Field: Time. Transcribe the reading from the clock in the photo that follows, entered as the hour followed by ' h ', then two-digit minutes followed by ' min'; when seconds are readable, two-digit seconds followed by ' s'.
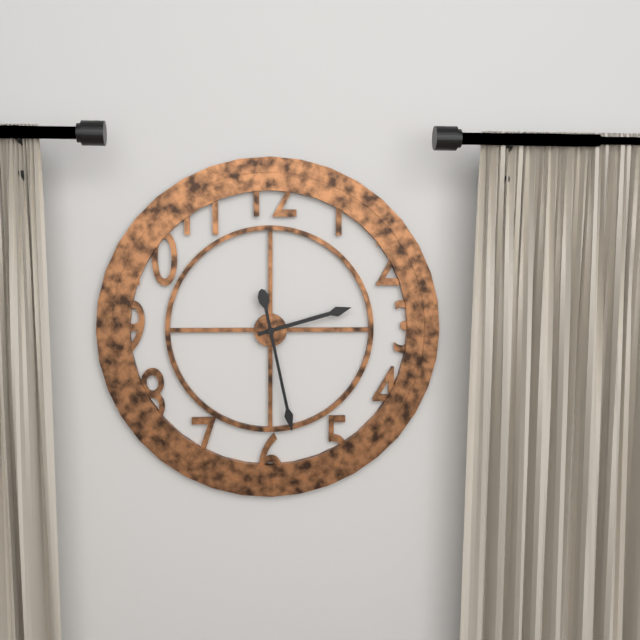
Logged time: 2 h 28 min
